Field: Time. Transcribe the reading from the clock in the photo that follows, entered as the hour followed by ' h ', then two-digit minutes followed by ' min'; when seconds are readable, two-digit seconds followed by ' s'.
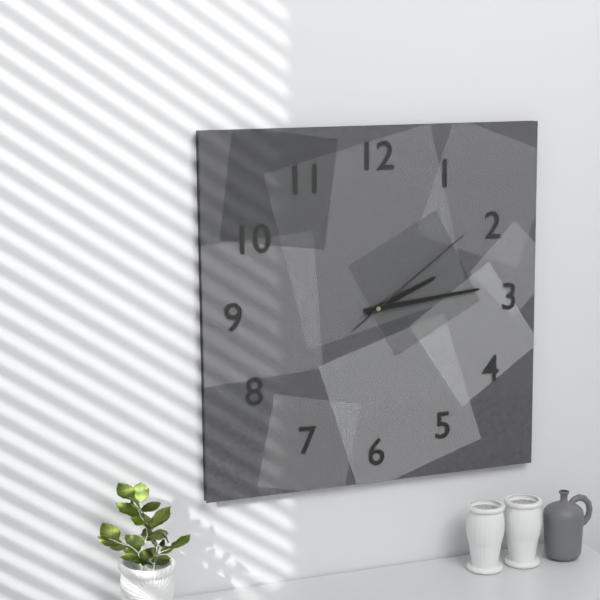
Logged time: 2 h 14 min 09 s
